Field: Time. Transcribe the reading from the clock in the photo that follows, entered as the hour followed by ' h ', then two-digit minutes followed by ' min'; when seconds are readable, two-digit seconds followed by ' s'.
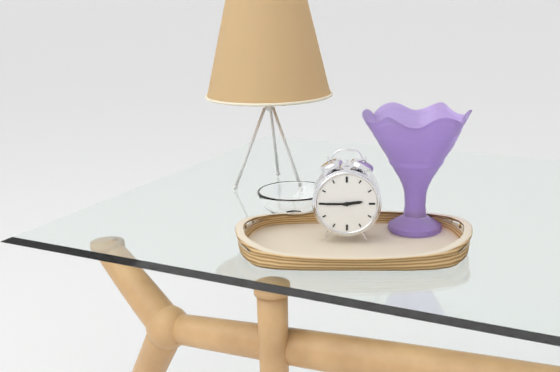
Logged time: 2 h 45 min
